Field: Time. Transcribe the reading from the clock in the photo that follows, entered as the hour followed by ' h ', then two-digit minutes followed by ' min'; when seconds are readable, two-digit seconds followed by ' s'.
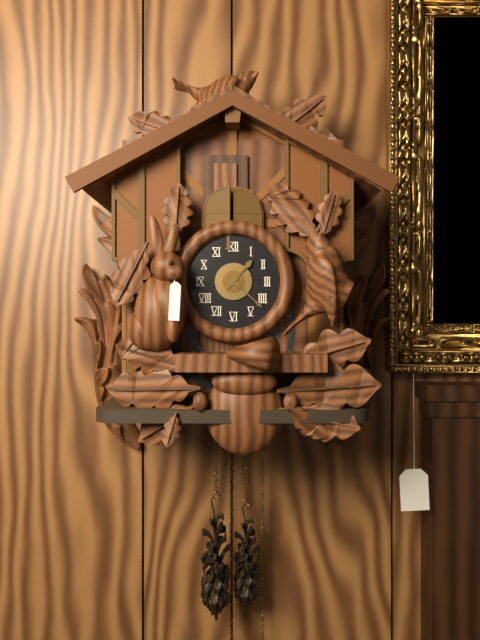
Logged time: 1 h 22 min
